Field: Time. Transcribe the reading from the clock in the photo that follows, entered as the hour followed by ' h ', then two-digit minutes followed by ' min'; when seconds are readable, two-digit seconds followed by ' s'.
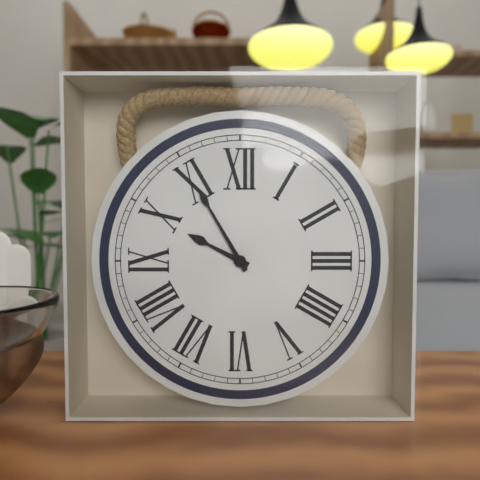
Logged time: 9 h 55 min
